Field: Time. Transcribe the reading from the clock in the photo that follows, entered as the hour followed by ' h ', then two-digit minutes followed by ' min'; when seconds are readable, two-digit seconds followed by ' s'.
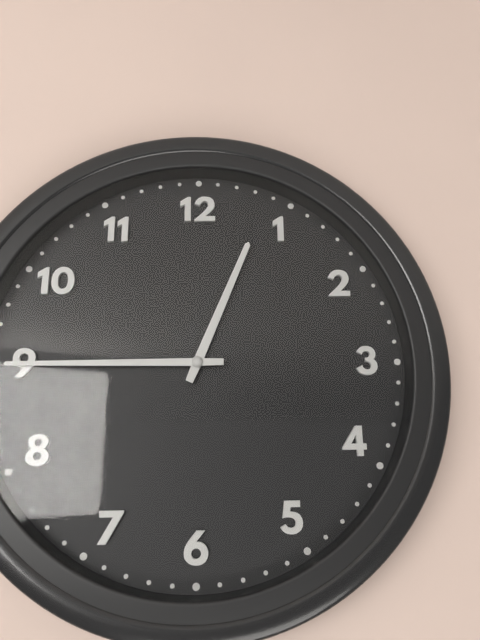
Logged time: 12 h 45 min
